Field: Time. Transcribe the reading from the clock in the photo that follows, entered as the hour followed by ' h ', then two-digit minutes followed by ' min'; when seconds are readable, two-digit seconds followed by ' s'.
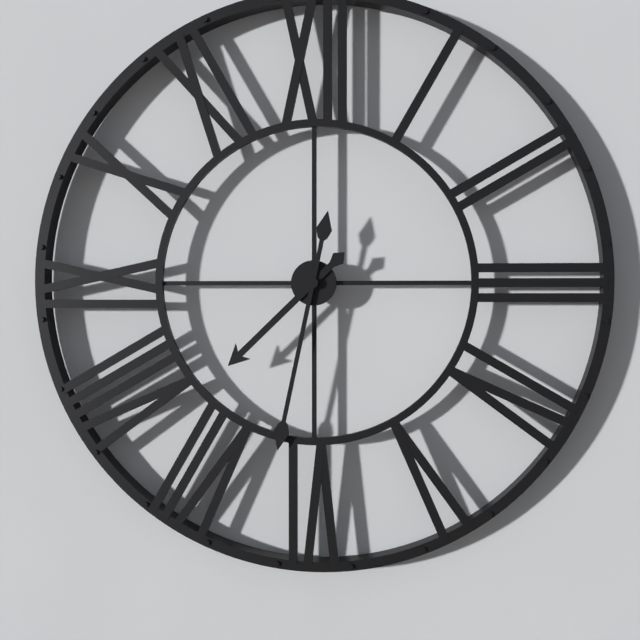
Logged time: 7 h 32 min
